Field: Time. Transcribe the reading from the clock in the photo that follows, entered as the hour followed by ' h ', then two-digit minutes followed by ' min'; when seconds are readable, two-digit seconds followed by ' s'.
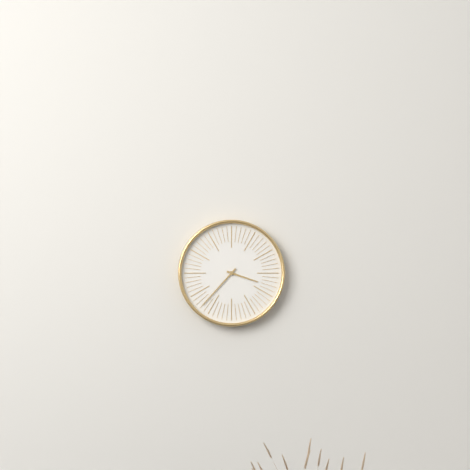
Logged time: 3 h 37 min
